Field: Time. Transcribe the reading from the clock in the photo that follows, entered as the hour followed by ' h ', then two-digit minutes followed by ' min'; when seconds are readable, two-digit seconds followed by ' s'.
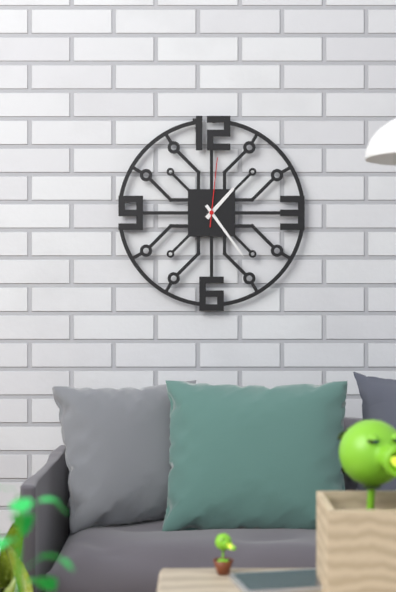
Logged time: 1 h 24 min 01 s
